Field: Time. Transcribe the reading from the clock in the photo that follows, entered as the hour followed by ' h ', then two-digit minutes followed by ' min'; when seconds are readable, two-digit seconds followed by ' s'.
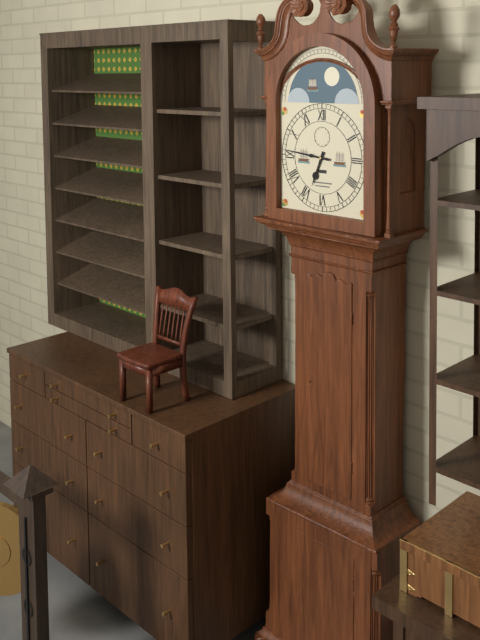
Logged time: 6 h 46 min
